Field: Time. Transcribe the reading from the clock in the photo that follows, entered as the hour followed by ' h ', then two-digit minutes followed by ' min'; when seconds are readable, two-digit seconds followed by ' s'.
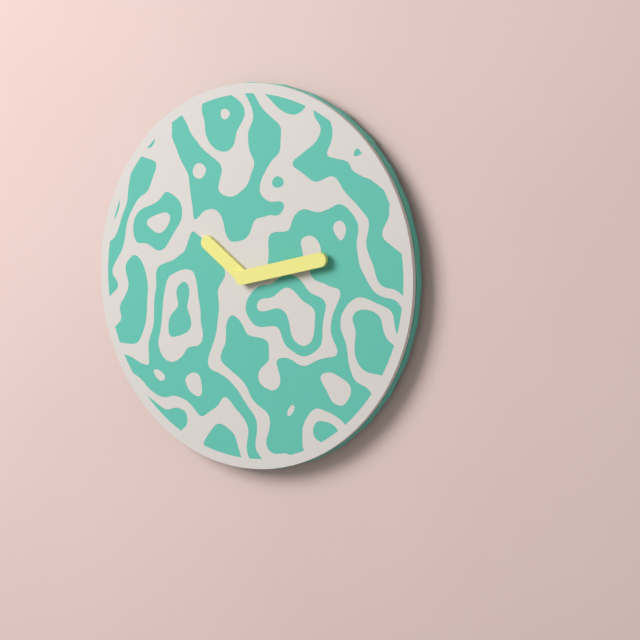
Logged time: 10 h 13 min
